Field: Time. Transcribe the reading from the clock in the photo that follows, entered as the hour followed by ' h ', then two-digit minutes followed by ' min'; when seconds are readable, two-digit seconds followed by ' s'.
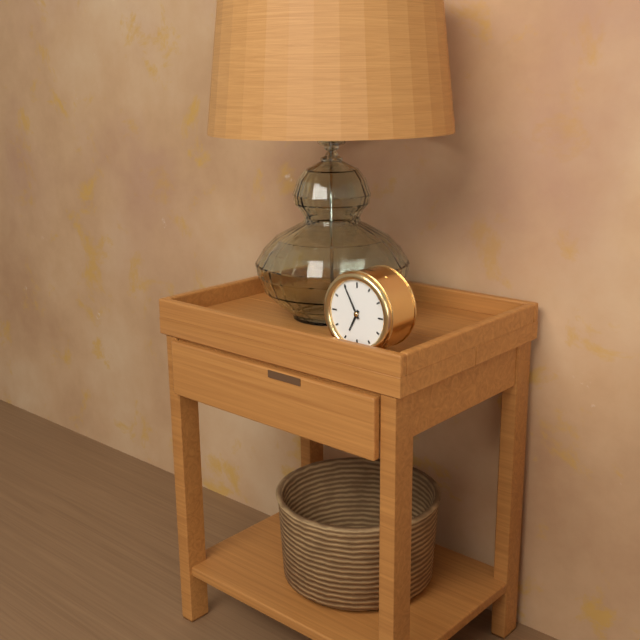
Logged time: 6 h 55 min
